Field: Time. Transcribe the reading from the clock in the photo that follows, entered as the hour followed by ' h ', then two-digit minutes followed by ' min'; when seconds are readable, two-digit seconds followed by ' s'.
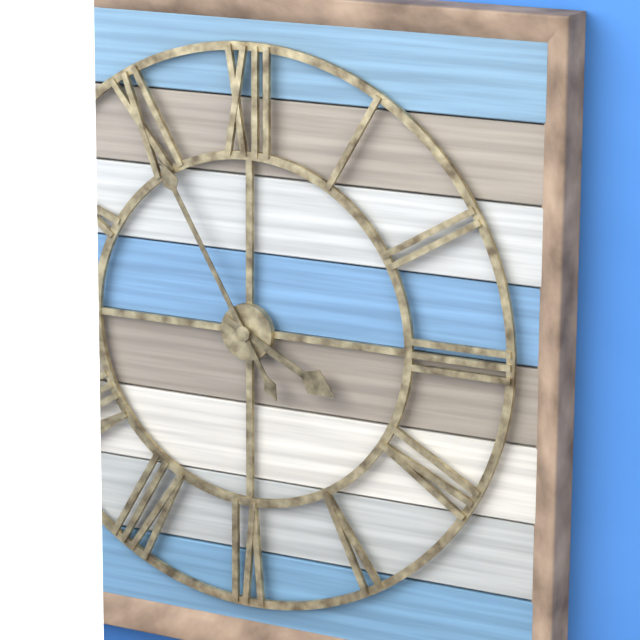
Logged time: 3 h 55 min
